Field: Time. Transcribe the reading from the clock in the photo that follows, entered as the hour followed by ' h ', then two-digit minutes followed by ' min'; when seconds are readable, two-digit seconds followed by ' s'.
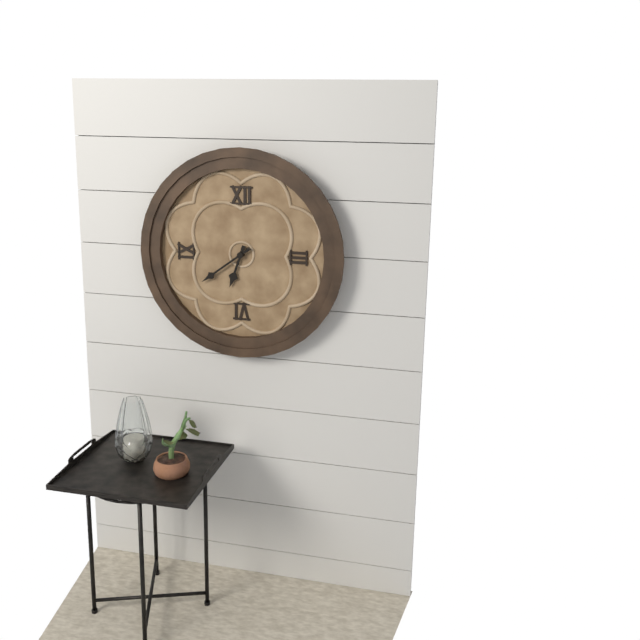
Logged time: 6 h 39 min
